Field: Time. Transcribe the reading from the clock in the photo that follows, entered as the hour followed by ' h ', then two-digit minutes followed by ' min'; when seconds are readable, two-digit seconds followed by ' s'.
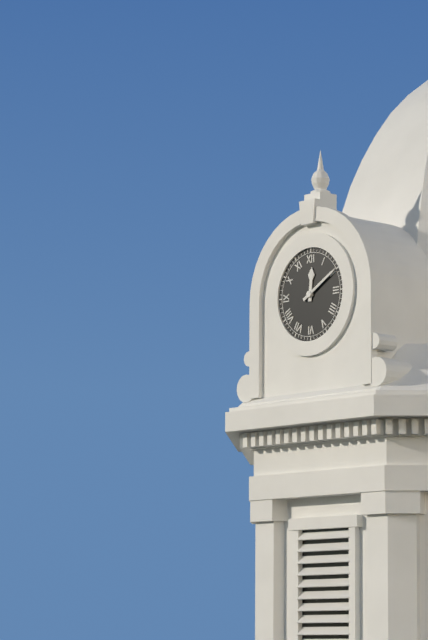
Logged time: 12 h 10 min
